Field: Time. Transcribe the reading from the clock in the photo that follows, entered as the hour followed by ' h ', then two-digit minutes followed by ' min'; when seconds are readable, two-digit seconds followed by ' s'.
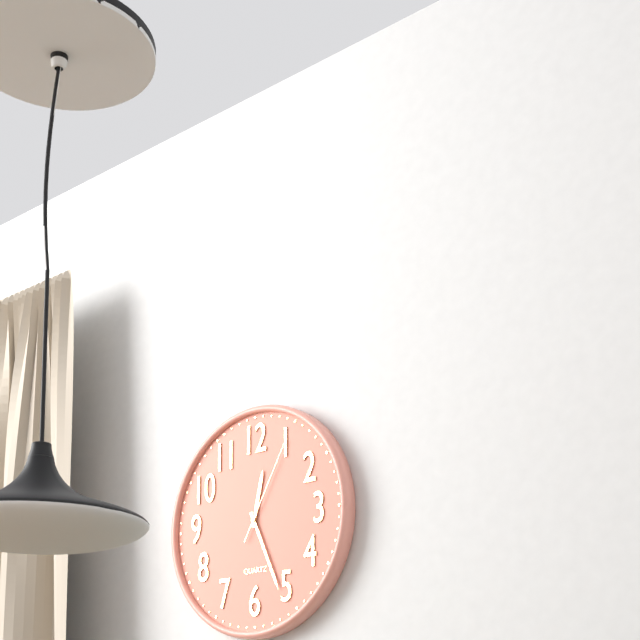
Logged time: 12 h 26 min 05 s
